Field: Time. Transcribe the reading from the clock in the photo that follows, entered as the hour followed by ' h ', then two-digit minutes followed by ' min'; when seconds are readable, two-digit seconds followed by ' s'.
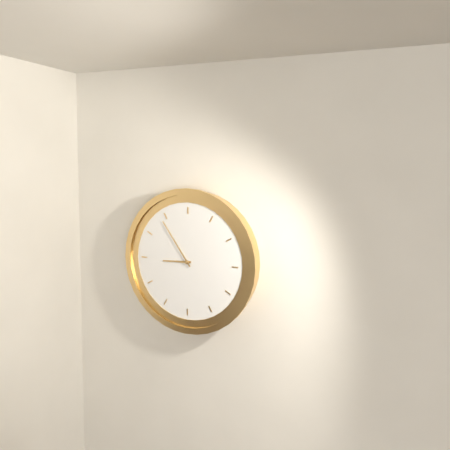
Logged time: 8 h 54 min
